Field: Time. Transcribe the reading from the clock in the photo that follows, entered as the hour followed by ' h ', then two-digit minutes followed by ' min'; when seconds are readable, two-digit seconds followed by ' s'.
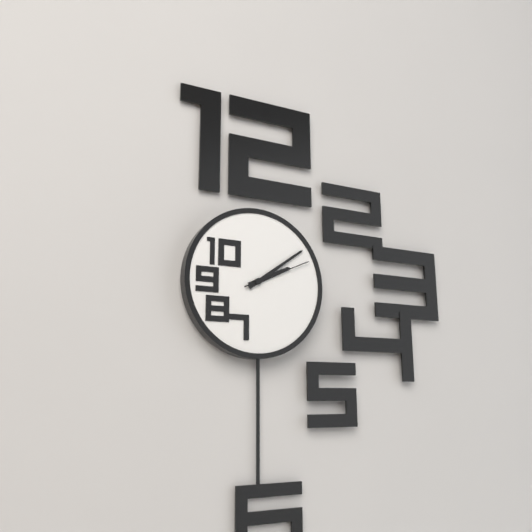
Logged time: 2 h 09 min 11 s
